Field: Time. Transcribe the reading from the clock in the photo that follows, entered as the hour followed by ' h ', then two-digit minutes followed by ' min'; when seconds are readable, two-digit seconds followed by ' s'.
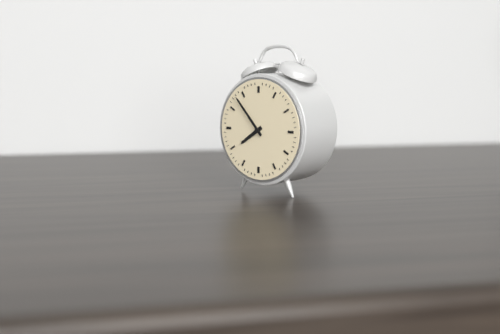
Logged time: 7 h 53 min
